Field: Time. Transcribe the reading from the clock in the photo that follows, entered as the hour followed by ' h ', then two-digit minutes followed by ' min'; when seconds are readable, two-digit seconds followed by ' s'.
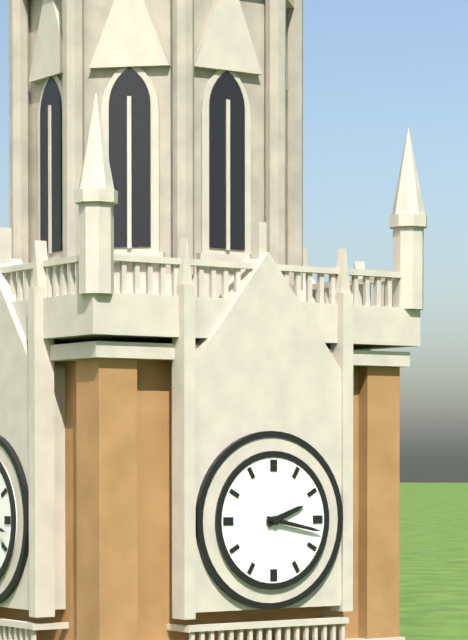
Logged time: 2 h 17 min
